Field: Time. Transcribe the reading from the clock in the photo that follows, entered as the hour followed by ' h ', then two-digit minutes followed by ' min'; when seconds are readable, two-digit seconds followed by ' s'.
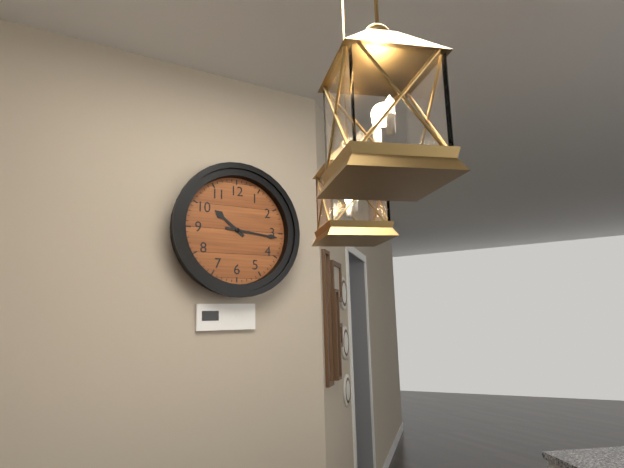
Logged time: 10 h 16 min
